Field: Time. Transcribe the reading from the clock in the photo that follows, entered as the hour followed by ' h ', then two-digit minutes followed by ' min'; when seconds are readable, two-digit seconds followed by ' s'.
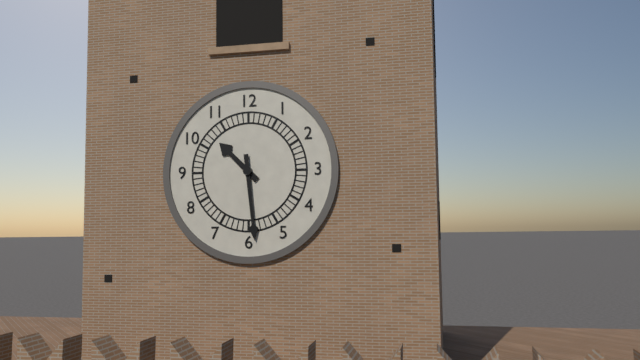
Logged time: 10 h 29 min
